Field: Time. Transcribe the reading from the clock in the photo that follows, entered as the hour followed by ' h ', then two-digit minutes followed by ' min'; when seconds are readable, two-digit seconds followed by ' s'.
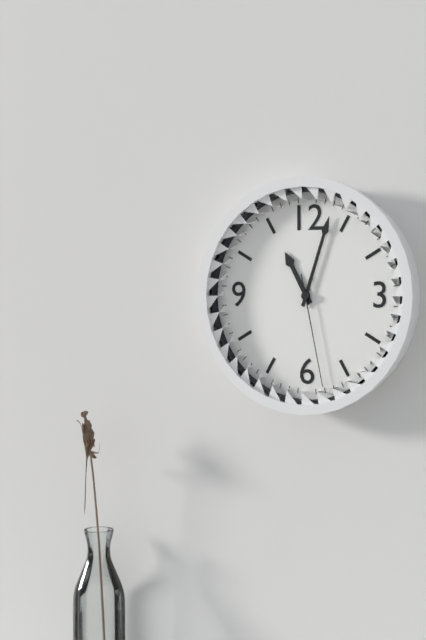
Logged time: 11 h 03 min 28 s
